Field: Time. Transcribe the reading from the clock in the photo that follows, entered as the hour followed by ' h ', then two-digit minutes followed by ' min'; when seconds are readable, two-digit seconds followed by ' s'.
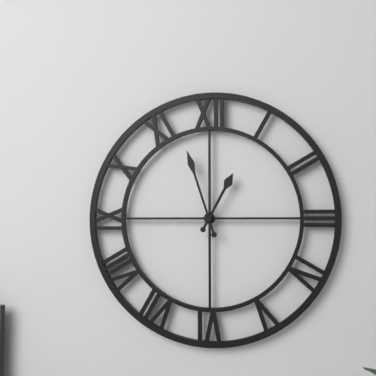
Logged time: 12 h 57 min
